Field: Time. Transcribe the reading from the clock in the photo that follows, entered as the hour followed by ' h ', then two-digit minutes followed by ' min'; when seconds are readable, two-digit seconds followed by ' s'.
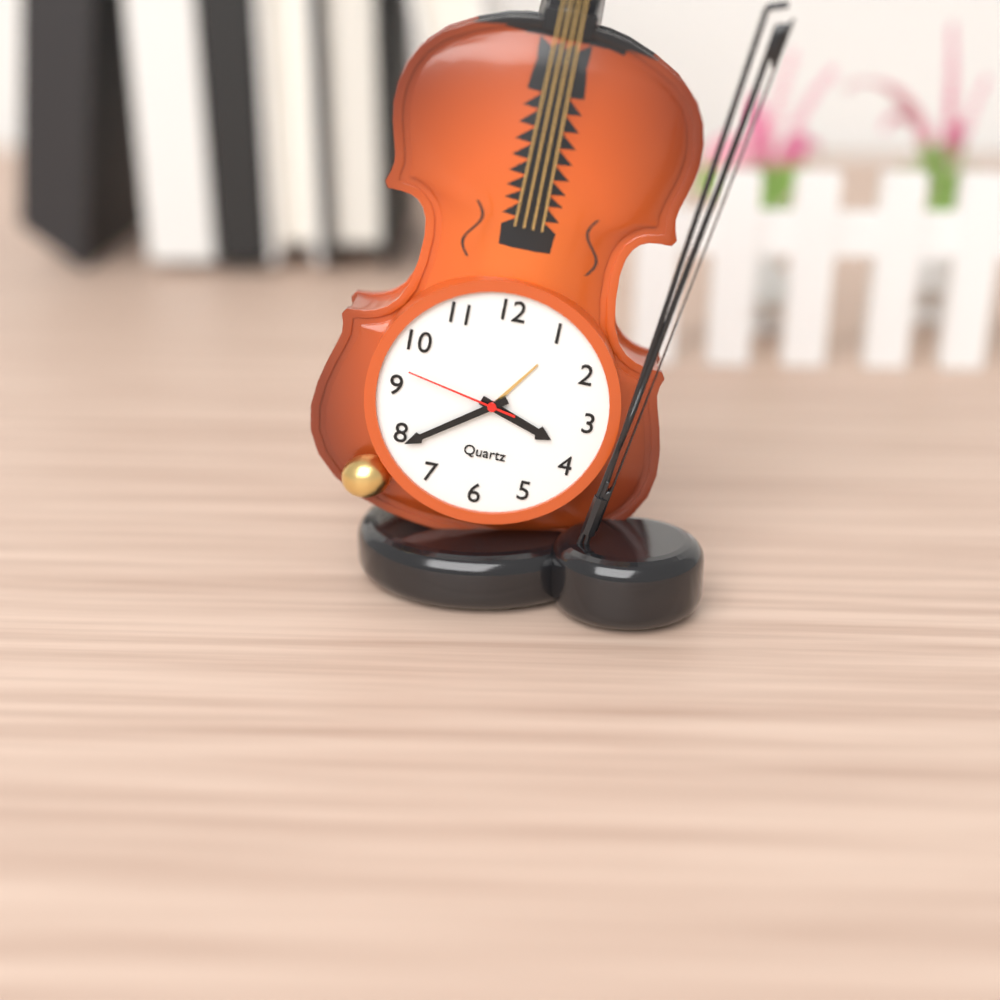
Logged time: 3 h 39 min 47 s
